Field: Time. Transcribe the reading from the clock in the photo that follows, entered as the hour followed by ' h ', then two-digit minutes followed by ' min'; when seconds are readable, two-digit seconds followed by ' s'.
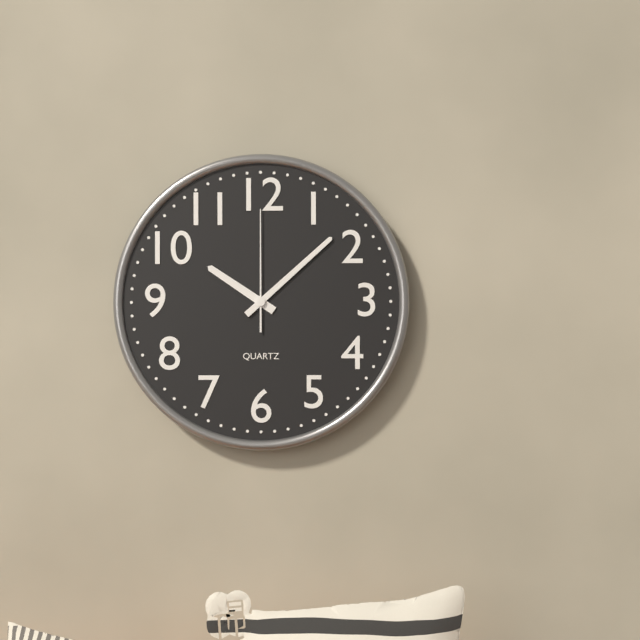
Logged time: 10 h 08 min 00 s
